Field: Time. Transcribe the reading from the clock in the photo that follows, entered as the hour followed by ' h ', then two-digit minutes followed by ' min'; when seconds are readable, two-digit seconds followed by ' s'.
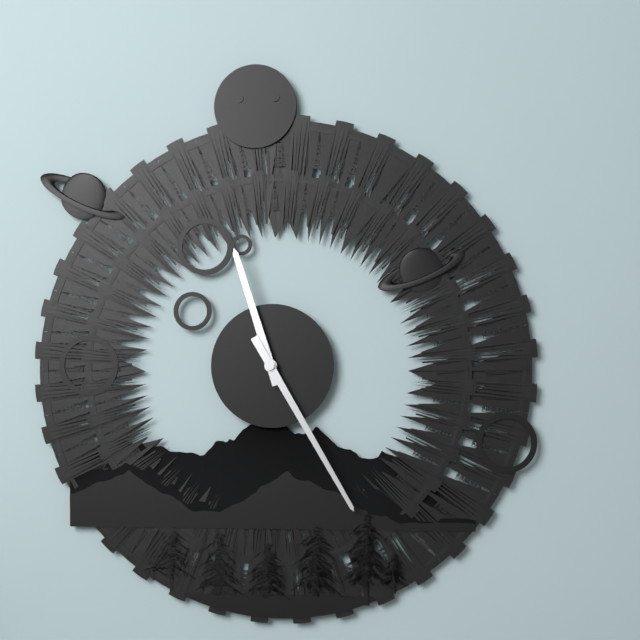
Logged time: 11 h 25 min
